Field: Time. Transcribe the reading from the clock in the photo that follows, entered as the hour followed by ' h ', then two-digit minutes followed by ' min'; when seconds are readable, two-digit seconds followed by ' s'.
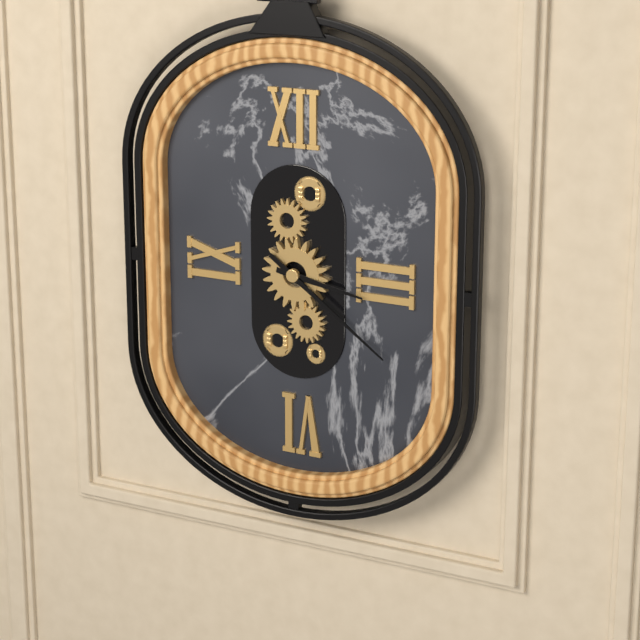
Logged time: 3 h 21 min
